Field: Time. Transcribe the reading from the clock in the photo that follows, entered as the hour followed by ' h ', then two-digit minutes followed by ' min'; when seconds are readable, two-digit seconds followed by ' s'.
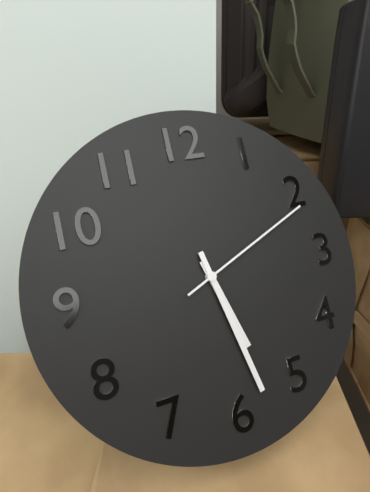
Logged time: 5 h 28 min 11 s
